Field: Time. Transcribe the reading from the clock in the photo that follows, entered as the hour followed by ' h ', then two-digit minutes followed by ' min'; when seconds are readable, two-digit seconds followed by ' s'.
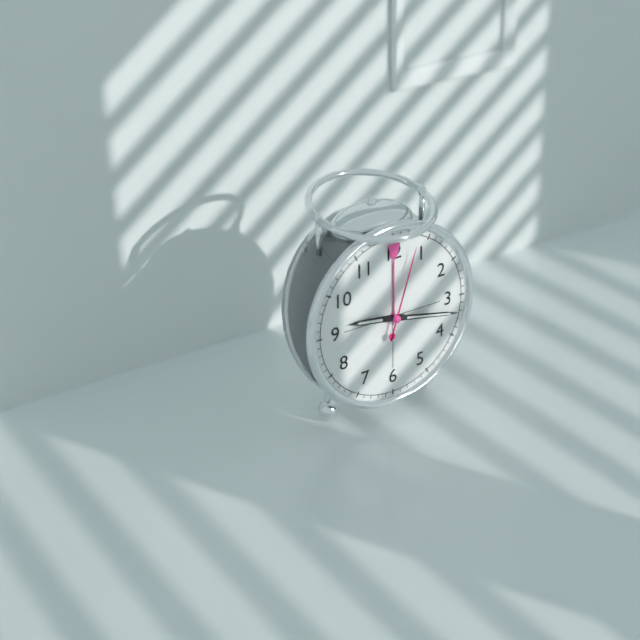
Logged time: 9 h 17 min 03 s
